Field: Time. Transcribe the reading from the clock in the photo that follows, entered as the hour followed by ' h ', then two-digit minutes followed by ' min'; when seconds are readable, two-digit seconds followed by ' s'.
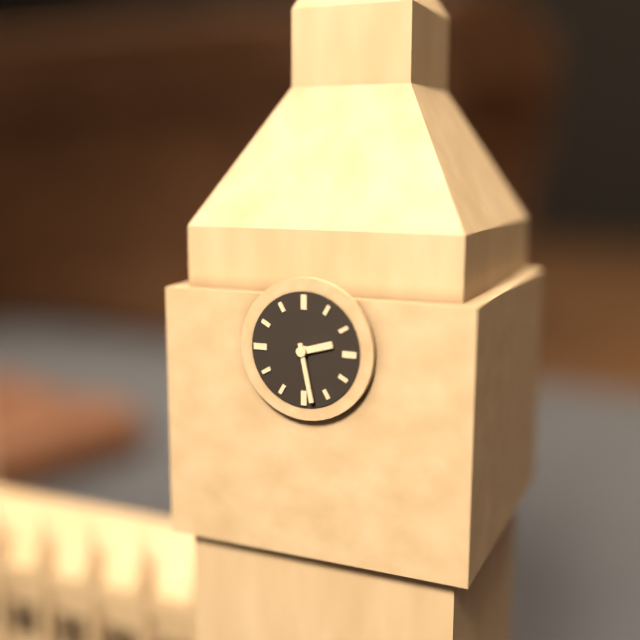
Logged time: 2 h 28 min
